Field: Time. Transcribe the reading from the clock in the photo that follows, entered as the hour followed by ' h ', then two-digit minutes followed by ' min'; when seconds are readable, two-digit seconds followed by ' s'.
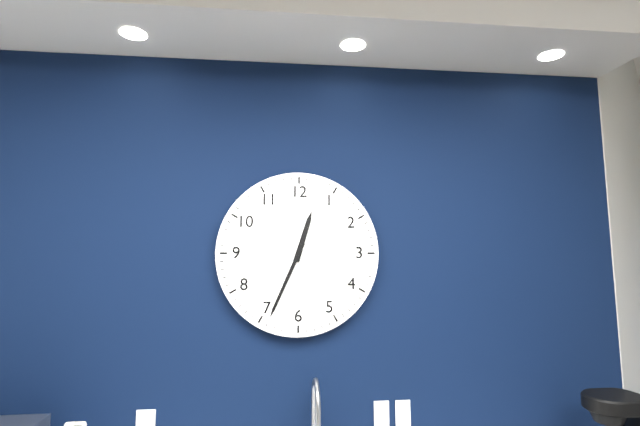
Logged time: 12 h 34 min
